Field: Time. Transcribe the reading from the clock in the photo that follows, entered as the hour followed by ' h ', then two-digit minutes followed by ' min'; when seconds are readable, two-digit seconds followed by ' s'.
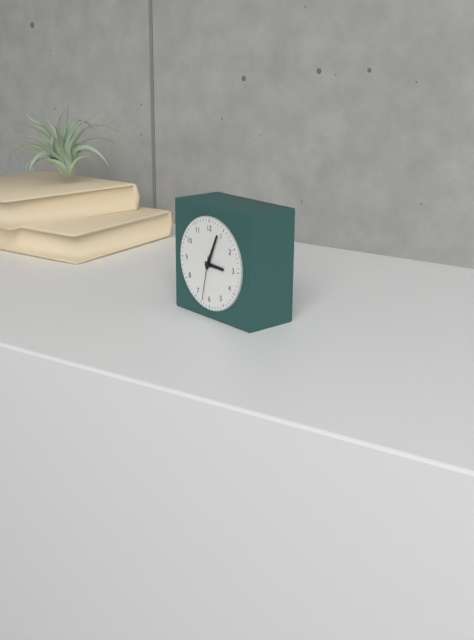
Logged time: 3 h 04 min
